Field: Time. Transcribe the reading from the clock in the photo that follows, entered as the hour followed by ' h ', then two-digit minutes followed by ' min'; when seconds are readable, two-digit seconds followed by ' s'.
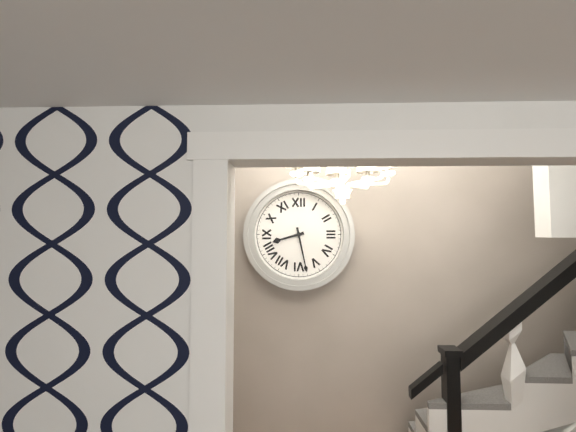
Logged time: 8 h 28 min
